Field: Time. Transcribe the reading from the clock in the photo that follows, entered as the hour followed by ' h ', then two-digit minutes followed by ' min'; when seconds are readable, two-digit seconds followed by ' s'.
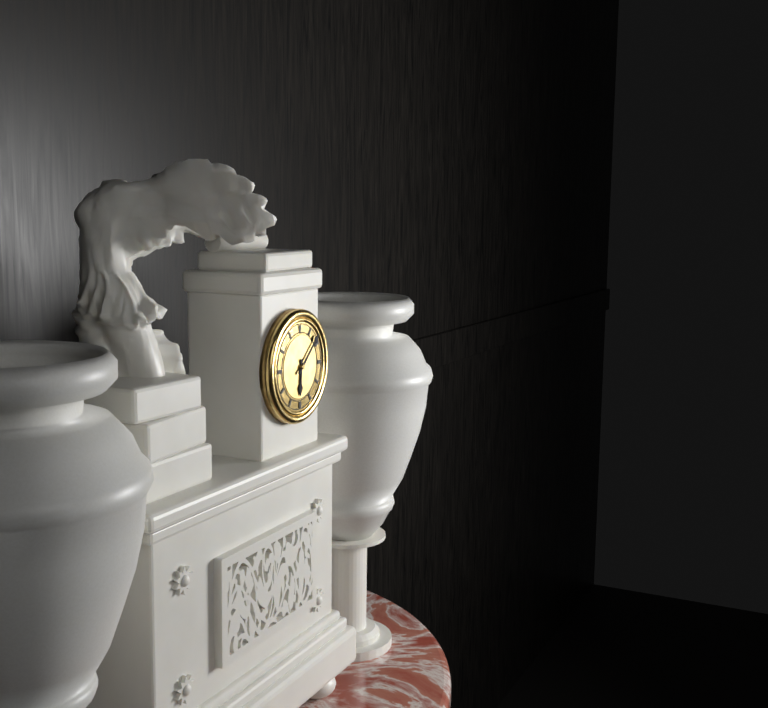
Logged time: 6 h 08 min
